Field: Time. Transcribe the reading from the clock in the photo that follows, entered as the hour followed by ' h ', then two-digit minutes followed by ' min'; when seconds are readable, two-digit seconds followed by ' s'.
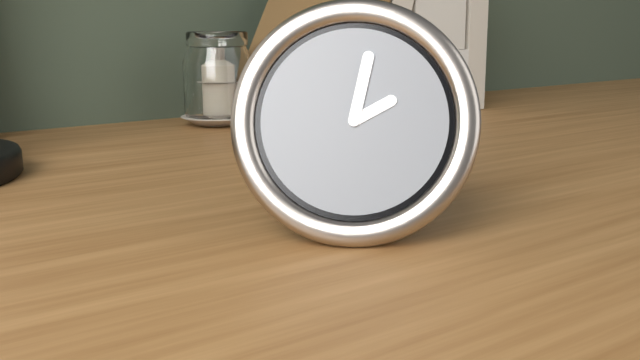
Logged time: 2 h 02 min
